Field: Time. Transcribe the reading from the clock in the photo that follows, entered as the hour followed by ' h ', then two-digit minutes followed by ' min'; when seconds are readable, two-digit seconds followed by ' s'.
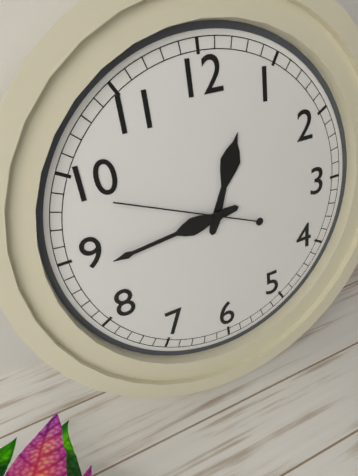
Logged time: 12 h 44 min 49 s
